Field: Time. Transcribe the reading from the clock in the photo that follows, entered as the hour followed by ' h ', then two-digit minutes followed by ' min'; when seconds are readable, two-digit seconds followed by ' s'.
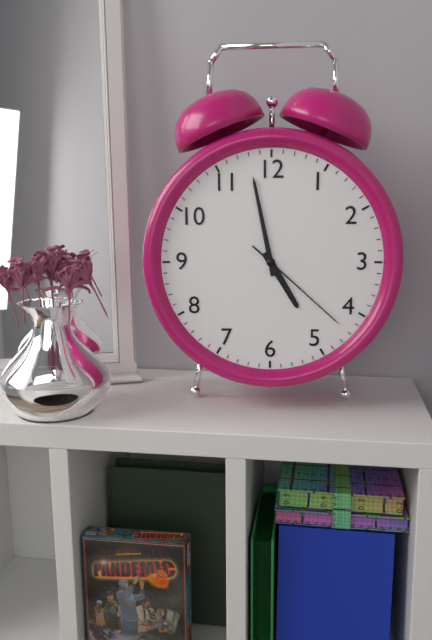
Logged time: 4 h 58 min 22 s
